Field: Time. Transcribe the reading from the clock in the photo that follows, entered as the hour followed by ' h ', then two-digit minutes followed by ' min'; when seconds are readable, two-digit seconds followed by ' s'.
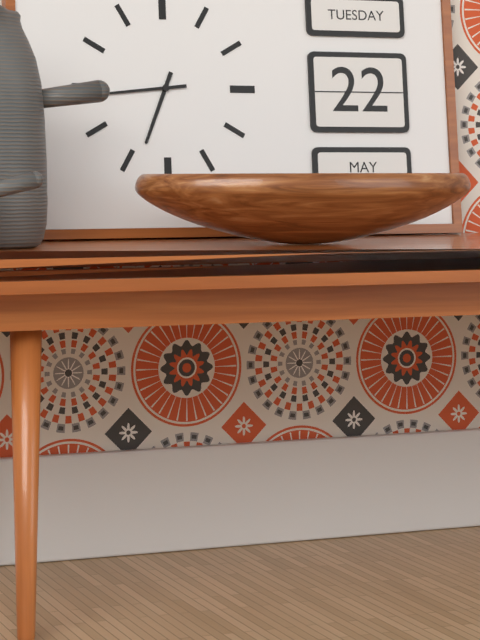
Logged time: 6 h 44 min
